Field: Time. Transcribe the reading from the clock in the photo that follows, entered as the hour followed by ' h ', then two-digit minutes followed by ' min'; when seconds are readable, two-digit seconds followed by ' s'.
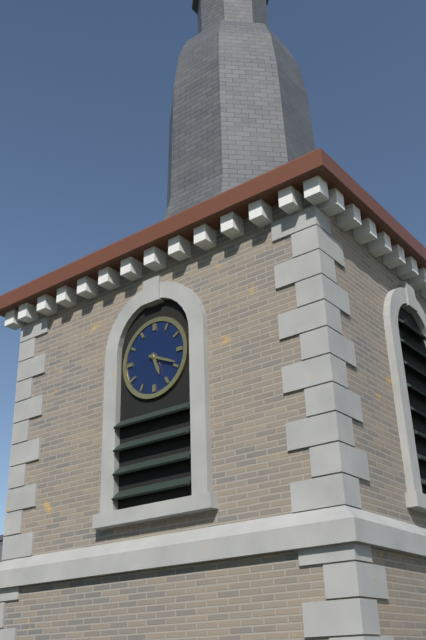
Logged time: 5 h 19 min
